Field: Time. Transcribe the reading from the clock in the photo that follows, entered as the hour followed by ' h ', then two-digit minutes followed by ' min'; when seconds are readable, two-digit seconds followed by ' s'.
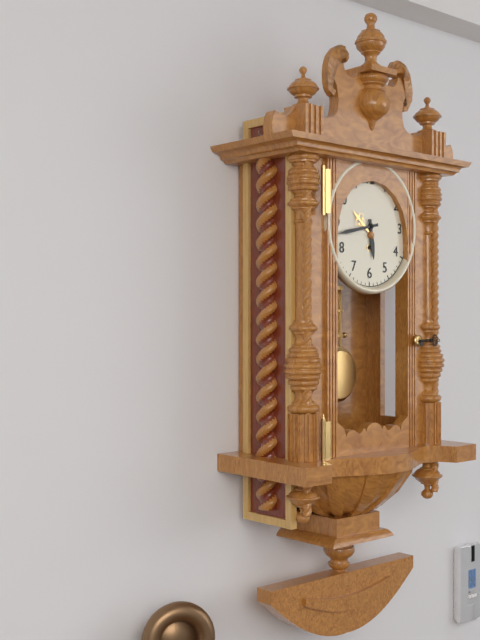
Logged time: 5 h 43 min
